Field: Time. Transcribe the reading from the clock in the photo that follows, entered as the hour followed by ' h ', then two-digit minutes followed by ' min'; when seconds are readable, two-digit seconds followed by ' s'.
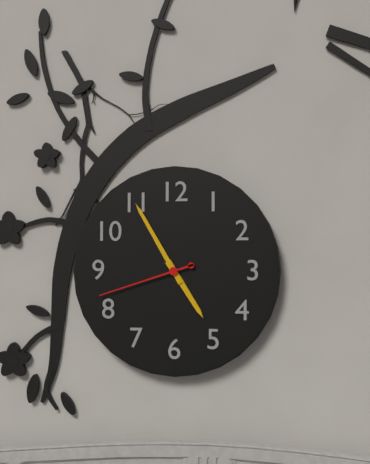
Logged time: 4 h 55 min 42 s
